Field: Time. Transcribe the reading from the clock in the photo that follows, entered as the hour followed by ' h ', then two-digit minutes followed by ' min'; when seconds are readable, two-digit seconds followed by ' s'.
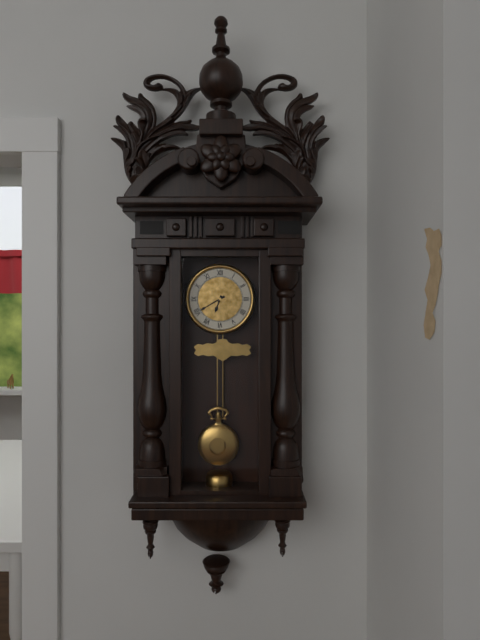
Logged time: 6 h 40 min
